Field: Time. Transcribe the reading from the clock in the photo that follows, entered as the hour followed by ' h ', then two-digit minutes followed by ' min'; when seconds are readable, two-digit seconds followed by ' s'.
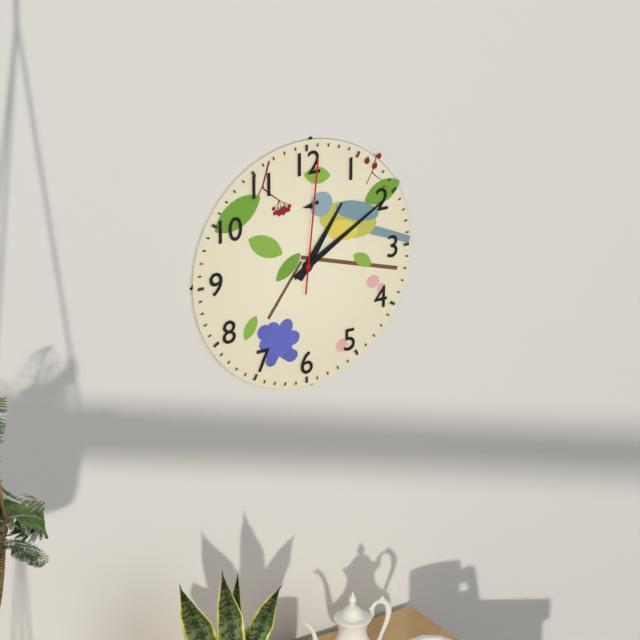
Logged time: 1 h 10 min 01 s
